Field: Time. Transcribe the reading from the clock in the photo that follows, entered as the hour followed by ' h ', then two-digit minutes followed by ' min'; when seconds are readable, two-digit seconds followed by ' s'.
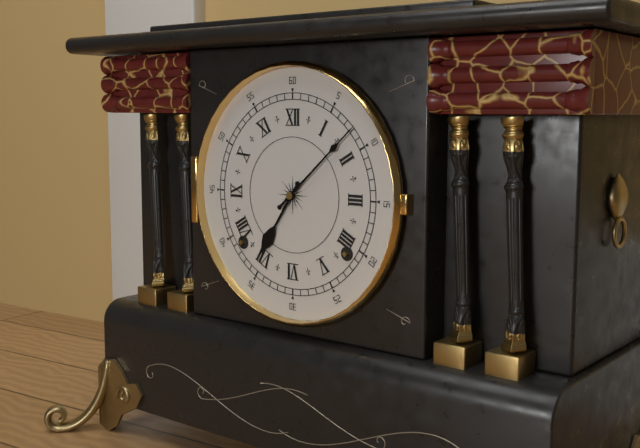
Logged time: 7 h 08 min
